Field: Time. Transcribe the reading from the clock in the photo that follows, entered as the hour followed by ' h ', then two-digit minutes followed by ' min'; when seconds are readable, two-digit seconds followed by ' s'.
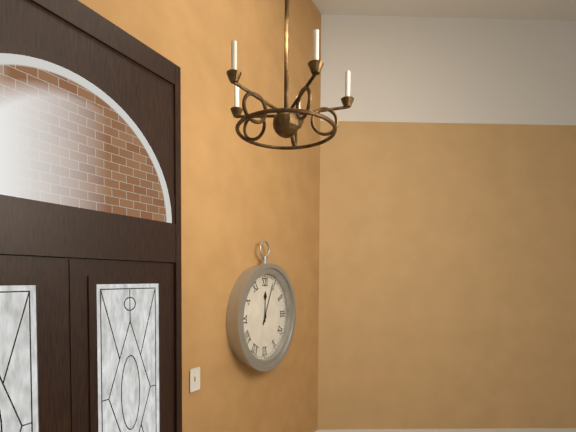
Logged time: 12 h 04 min
